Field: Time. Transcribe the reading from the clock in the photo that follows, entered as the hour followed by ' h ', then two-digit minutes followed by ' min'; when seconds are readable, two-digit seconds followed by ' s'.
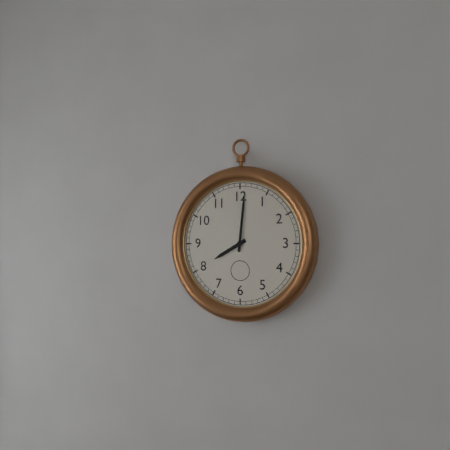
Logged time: 8 h 01 min
